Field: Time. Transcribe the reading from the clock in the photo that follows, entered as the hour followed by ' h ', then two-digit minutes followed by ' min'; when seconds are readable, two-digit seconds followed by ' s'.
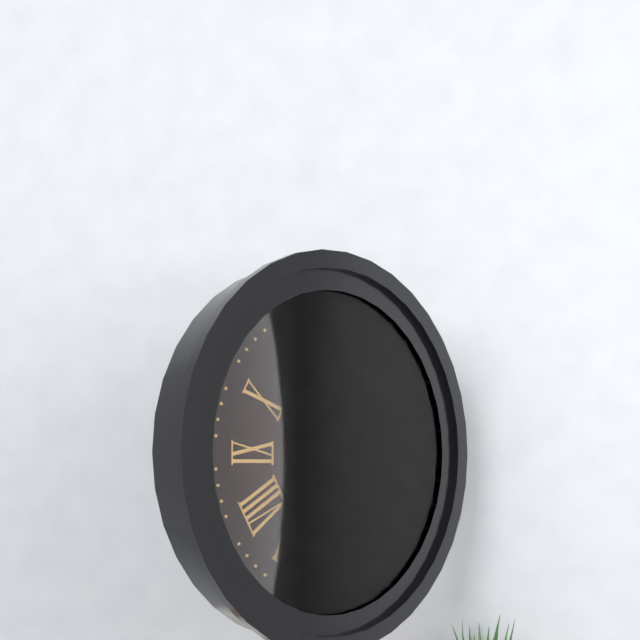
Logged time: 10 h 35 min 59 s
